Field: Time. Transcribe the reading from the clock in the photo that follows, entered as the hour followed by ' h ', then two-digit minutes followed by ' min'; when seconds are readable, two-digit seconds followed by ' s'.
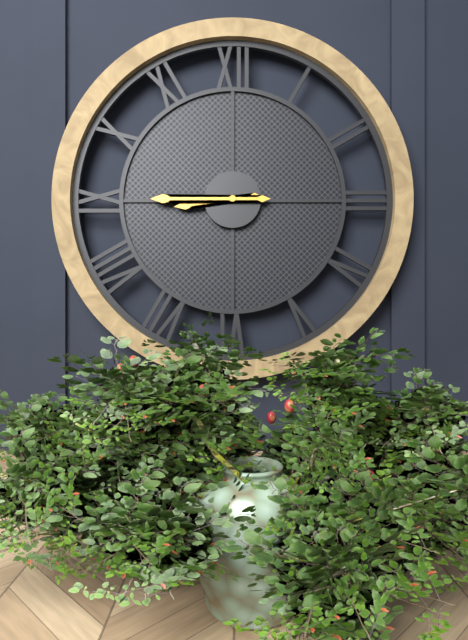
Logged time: 8 h 45 min
